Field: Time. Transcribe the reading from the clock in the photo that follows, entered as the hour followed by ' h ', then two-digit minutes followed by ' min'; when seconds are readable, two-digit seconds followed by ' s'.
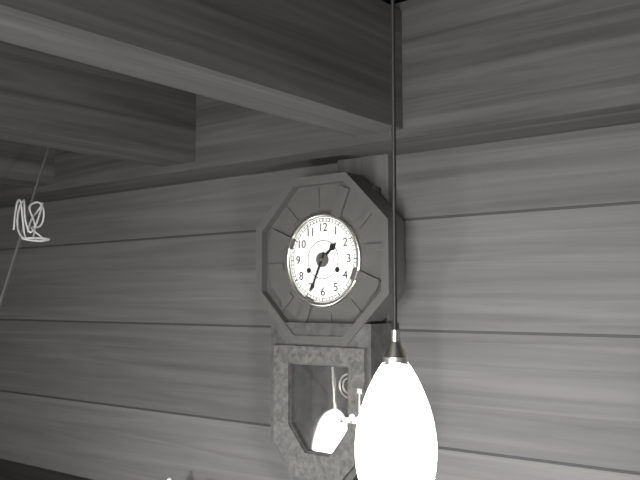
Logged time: 1 h 34 min
